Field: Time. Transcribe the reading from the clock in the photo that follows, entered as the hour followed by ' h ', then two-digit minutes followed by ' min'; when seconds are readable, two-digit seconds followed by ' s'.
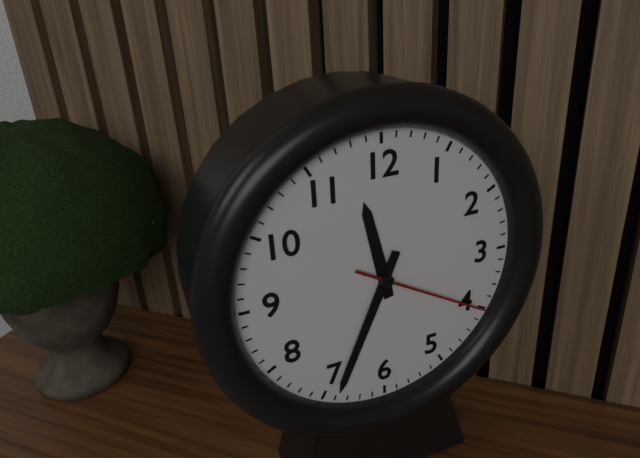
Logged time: 11 h 34 min 20 s
